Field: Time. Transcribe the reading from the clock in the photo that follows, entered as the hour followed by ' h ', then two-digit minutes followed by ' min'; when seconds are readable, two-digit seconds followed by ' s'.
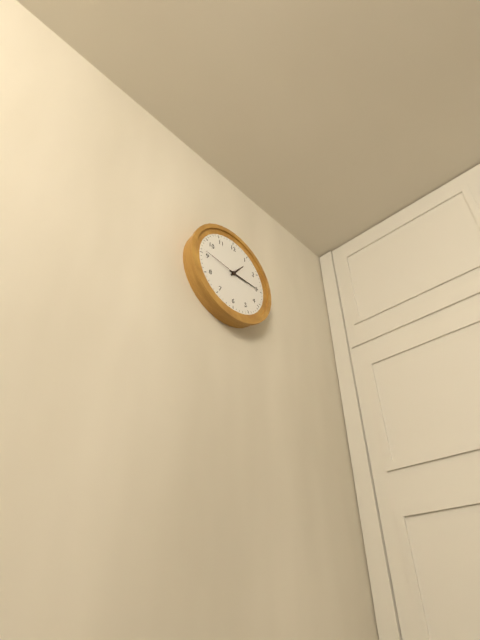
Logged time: 1 h 15 min
